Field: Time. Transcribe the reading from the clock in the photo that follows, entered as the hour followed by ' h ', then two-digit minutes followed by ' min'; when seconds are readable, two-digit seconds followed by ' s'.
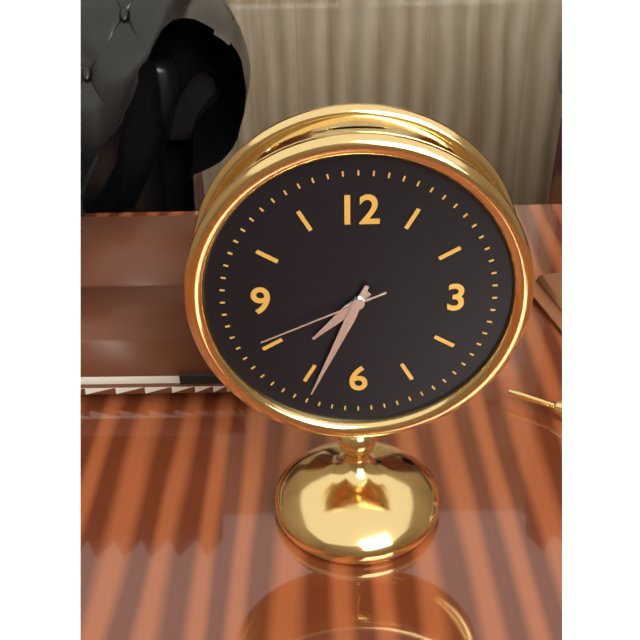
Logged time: 7 h 34 min 41 s
